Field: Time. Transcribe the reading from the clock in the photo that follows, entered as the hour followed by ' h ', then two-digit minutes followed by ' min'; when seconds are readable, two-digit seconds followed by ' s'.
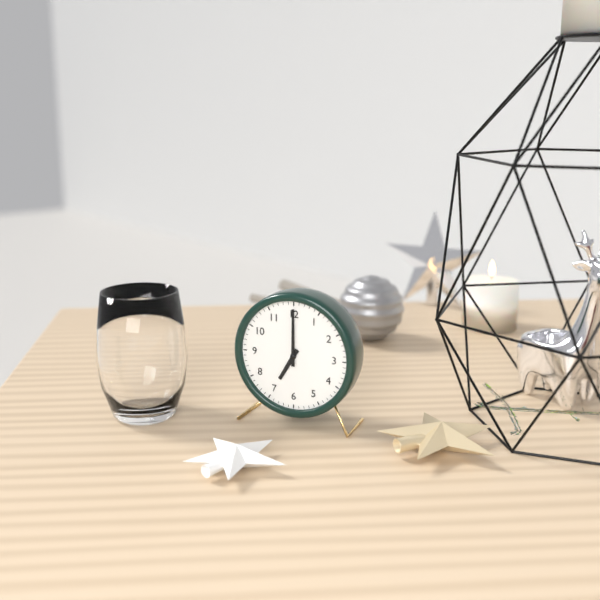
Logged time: 7 h 00 min
